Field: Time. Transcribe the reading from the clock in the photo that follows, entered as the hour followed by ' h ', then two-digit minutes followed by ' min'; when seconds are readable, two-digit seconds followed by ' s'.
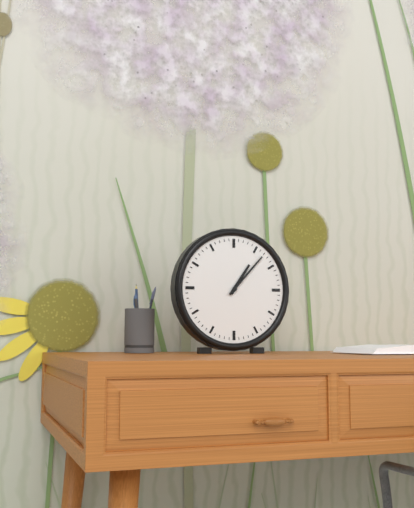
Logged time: 1 h 07 min
